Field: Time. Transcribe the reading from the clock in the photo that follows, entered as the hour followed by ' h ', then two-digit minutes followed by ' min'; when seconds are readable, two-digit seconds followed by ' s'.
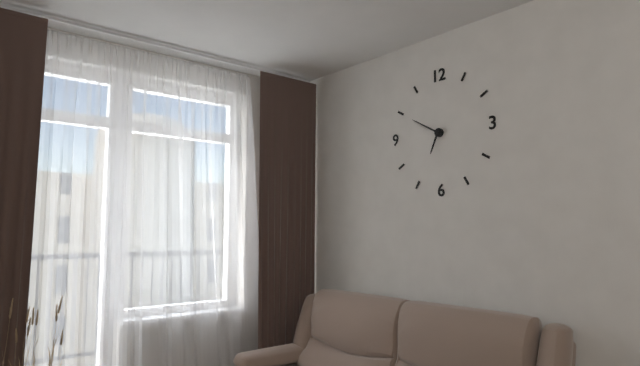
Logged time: 6 h 50 min
